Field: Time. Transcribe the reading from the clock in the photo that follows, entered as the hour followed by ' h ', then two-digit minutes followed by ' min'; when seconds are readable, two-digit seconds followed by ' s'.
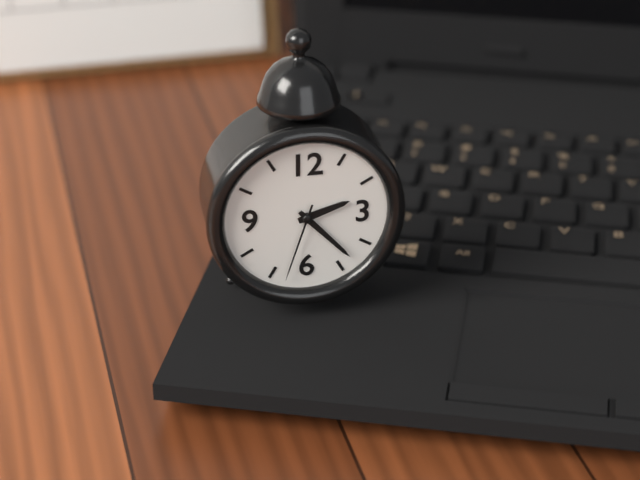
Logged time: 2 h 23 min 33 s
